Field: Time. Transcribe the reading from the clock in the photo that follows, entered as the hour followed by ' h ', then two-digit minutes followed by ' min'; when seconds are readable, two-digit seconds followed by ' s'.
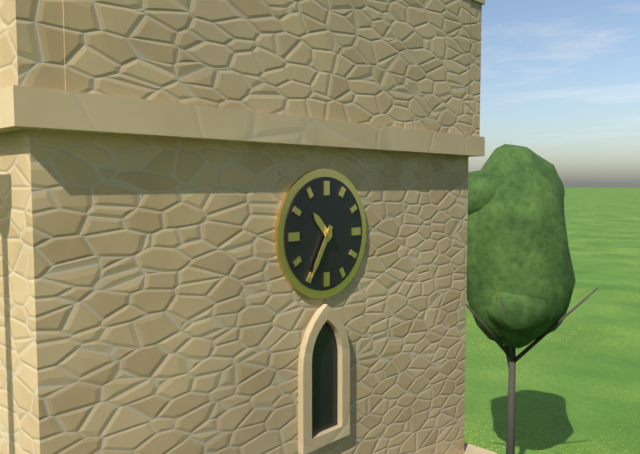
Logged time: 10 h 35 min
